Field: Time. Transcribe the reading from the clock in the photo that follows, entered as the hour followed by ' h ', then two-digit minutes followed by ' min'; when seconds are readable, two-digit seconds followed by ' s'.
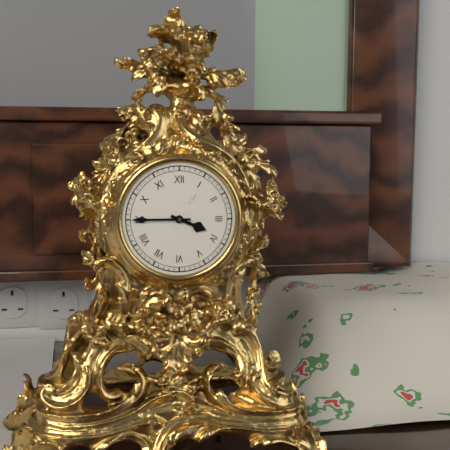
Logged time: 3 h 45 min
